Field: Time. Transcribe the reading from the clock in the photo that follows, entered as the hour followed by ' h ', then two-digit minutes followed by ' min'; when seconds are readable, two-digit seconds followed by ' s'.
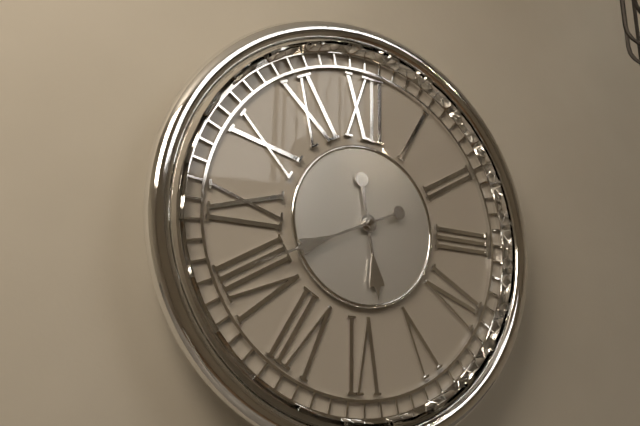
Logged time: 5 h 41 min
